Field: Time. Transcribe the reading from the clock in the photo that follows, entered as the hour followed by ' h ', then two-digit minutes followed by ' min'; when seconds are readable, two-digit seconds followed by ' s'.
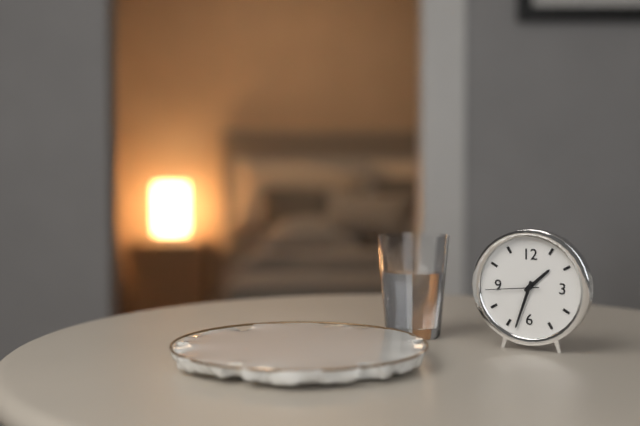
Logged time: 1 h 33 min 44 s
